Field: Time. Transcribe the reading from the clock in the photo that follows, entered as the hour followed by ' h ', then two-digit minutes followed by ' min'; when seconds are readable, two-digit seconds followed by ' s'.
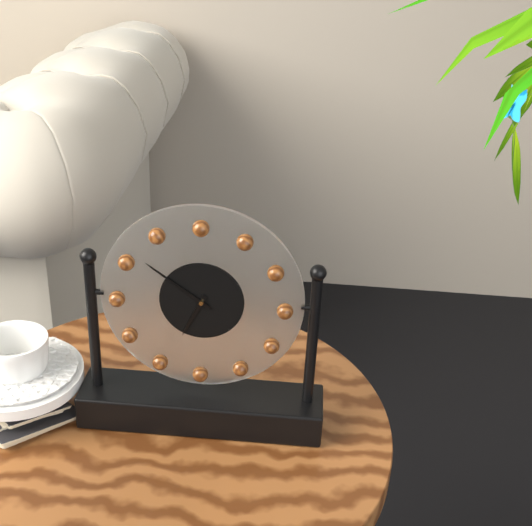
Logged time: 6 h 51 min
